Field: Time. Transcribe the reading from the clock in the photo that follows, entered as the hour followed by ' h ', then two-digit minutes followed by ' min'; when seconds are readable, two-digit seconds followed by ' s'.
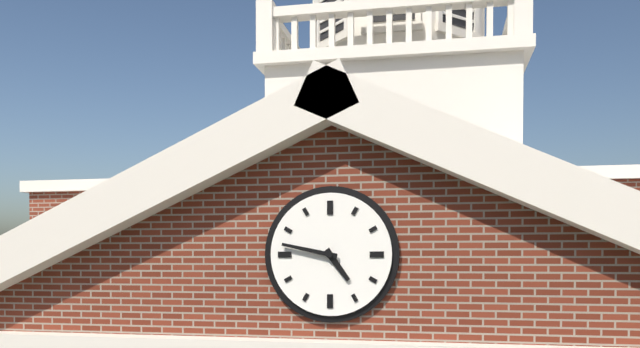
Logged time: 4 h 47 min
